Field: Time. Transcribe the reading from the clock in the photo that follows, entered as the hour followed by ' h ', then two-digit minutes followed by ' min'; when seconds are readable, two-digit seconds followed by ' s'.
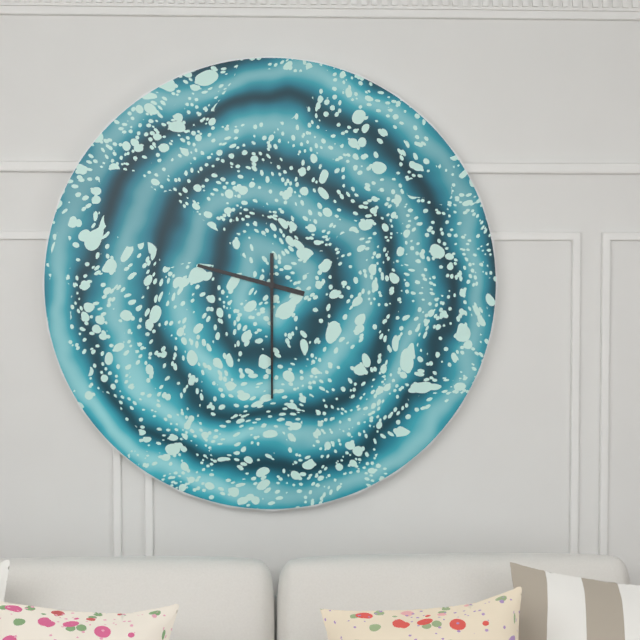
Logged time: 9 h 30 min
